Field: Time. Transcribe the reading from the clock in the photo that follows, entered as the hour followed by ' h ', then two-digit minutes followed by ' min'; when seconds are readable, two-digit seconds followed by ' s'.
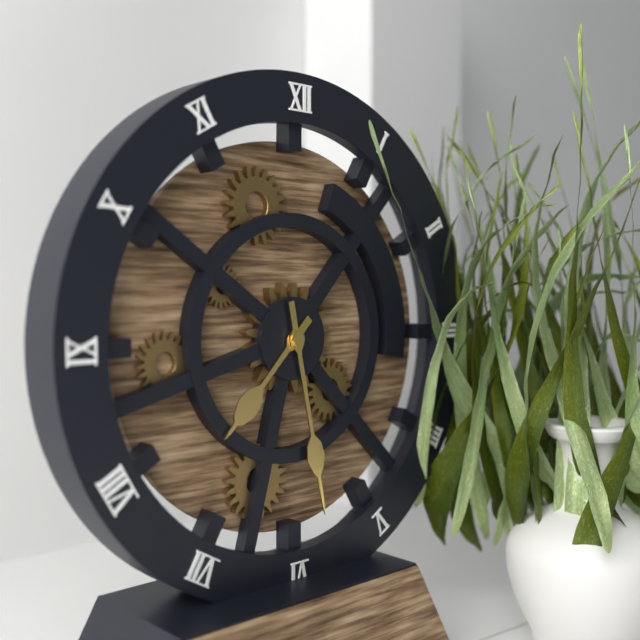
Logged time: 7 h 28 min
